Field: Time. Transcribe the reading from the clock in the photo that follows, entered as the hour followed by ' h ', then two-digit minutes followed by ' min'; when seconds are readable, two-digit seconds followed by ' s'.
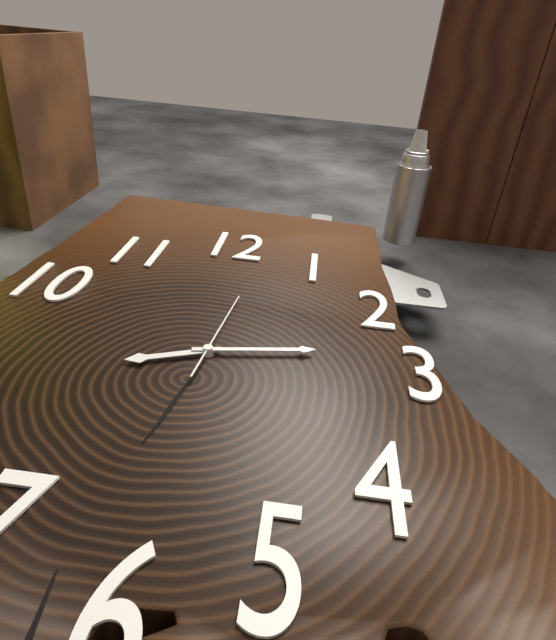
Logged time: 8 h 13 min 01 s
